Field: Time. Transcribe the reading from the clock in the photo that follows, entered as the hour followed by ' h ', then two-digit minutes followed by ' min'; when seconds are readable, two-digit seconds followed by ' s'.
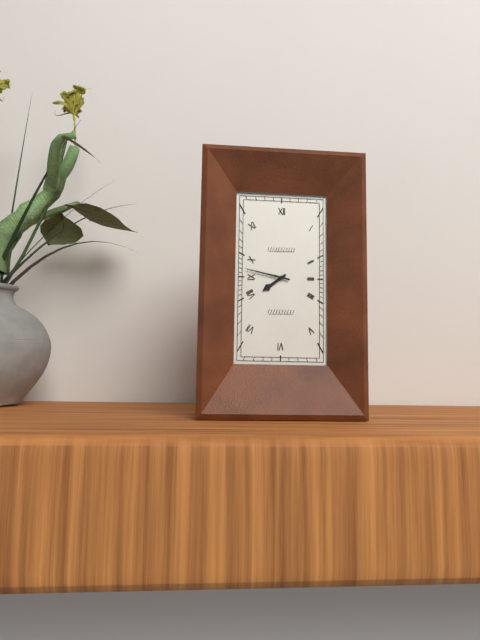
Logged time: 7 h 47 min
